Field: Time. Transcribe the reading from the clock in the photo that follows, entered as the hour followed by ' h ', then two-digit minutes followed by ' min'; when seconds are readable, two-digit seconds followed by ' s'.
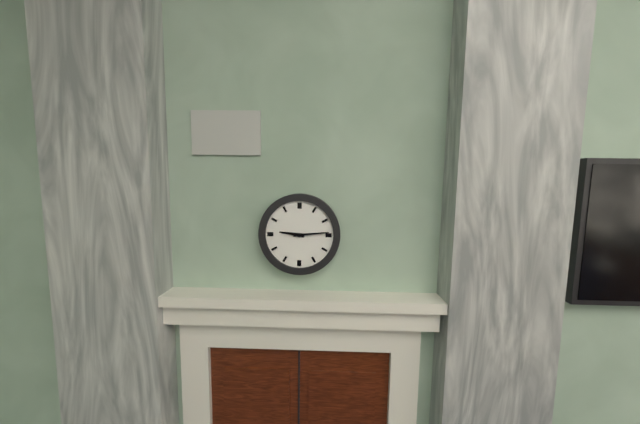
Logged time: 9 h 14 min
